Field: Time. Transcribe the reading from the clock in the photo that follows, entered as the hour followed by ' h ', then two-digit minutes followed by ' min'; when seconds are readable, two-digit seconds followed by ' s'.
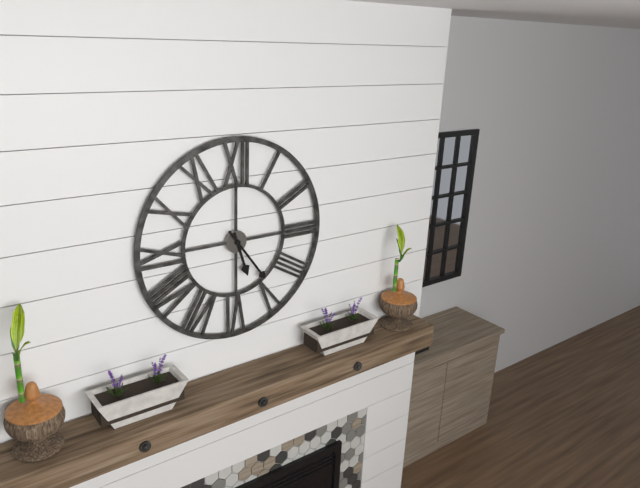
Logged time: 5 h 24 min
